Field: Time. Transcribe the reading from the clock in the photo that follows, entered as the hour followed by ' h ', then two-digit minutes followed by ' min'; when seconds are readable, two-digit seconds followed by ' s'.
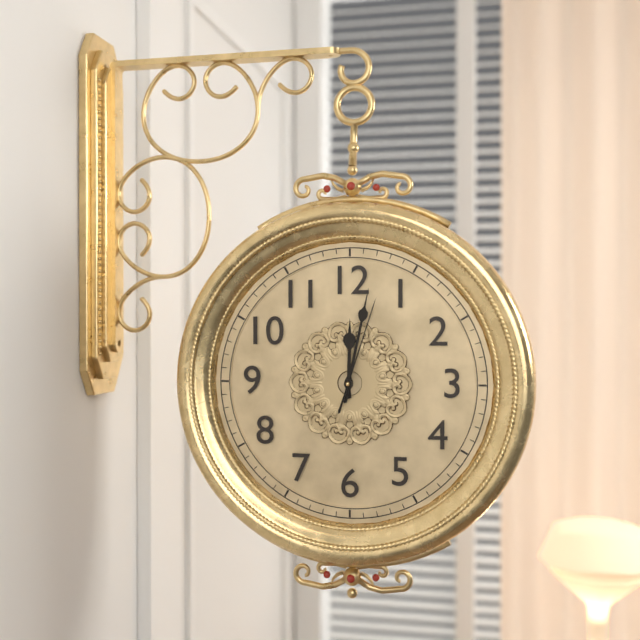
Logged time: 12 h 02 min 03 s
